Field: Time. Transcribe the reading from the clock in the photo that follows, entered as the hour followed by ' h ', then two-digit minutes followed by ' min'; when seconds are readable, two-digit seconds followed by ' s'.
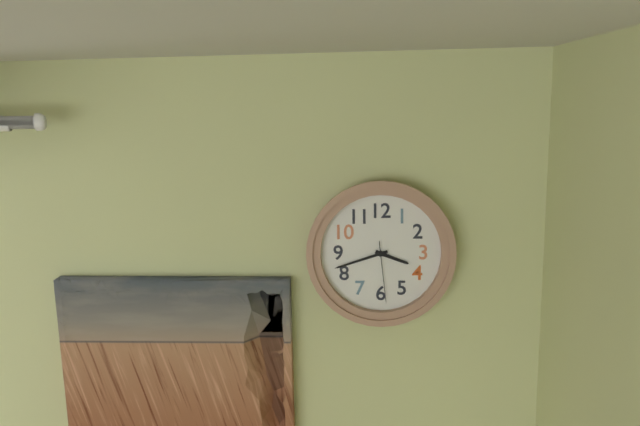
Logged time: 3 h 42 min 29 s
